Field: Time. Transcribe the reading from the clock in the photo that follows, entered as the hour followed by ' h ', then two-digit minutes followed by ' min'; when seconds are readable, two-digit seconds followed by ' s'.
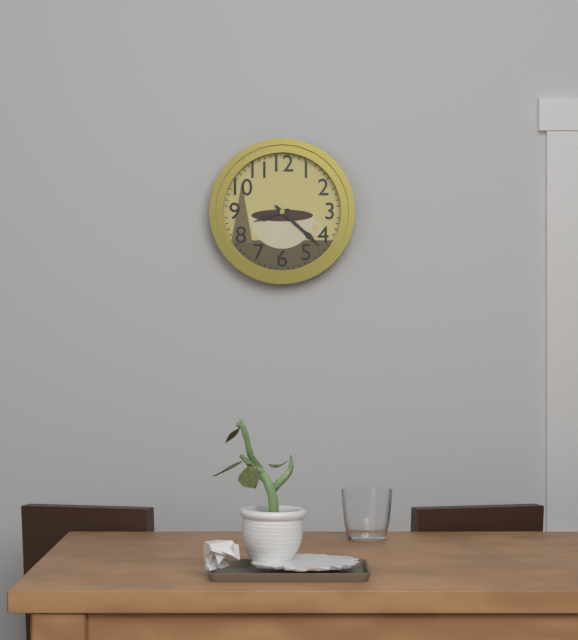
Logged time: 8 h 22 min
